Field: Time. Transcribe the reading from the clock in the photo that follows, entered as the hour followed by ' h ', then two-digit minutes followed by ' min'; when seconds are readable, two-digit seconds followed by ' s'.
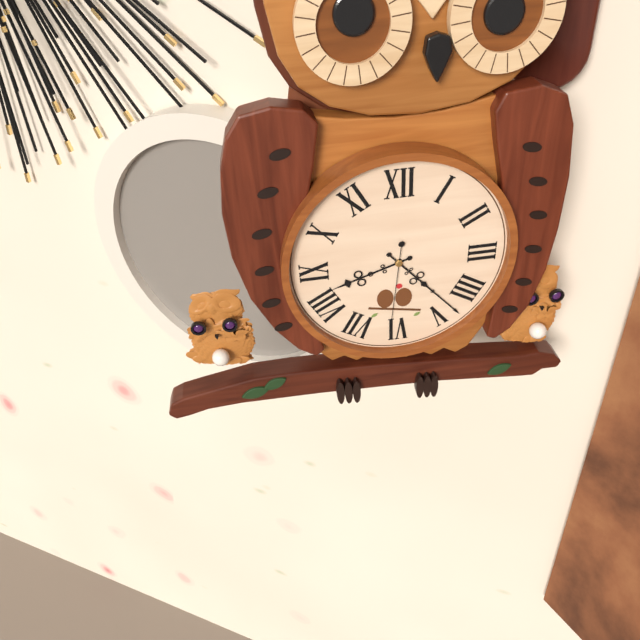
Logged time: 8 h 23 min 31 s
